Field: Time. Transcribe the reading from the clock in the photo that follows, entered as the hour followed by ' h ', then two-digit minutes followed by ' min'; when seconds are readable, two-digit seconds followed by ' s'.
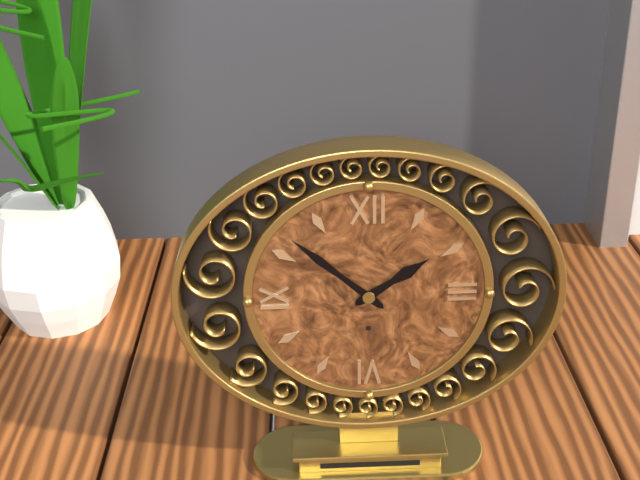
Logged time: 1 h 52 min
